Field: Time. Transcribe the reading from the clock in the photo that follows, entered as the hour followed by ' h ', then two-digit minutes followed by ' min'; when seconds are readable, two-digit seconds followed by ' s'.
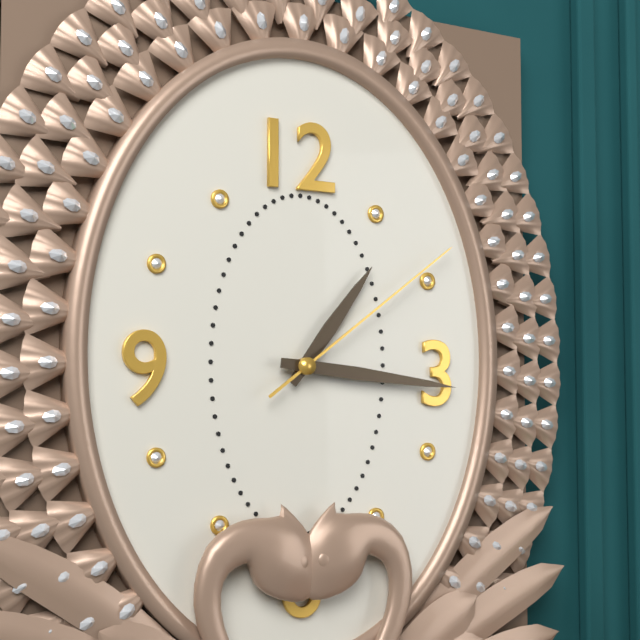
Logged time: 1 h 16 min 09 s
